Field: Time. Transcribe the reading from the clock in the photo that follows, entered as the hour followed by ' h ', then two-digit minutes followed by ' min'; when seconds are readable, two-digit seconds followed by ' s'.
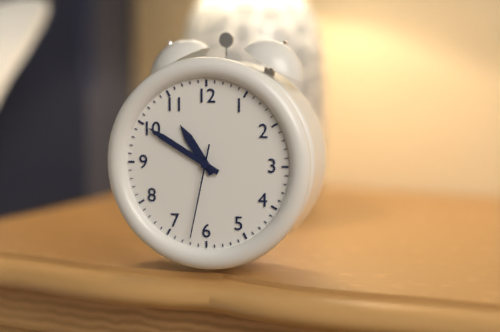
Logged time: 10 h 50 min 32 s
